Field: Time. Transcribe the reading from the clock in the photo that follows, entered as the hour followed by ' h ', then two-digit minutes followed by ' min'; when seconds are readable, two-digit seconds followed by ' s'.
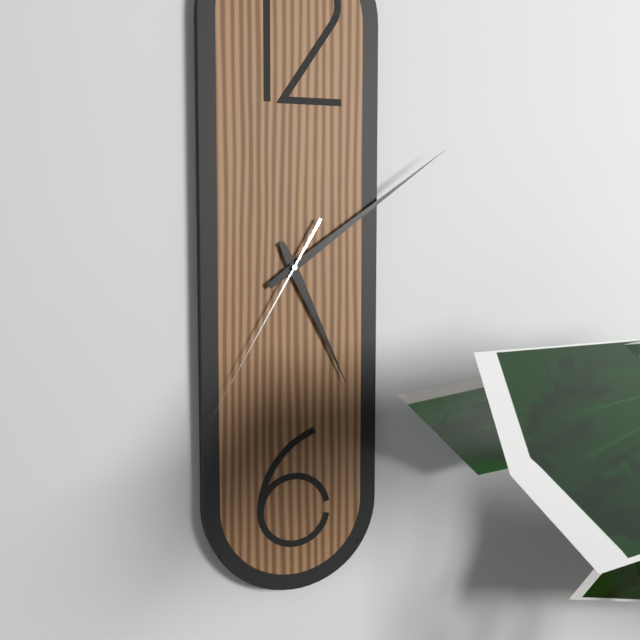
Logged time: 5 h 09 min 35 s
